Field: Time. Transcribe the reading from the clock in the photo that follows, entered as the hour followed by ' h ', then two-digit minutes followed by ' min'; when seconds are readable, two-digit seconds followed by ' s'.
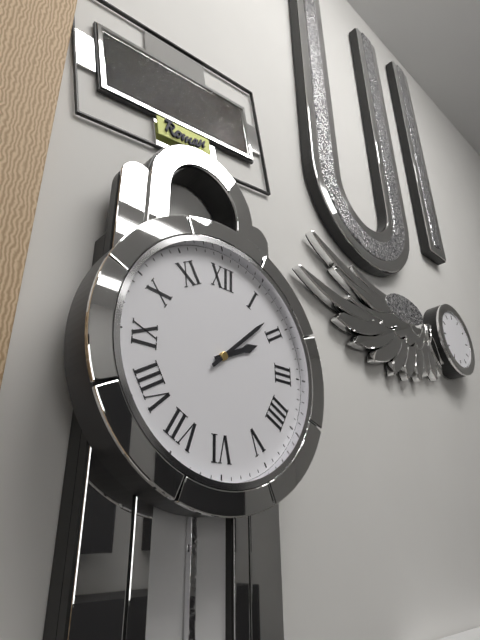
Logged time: 2 h 08 min
